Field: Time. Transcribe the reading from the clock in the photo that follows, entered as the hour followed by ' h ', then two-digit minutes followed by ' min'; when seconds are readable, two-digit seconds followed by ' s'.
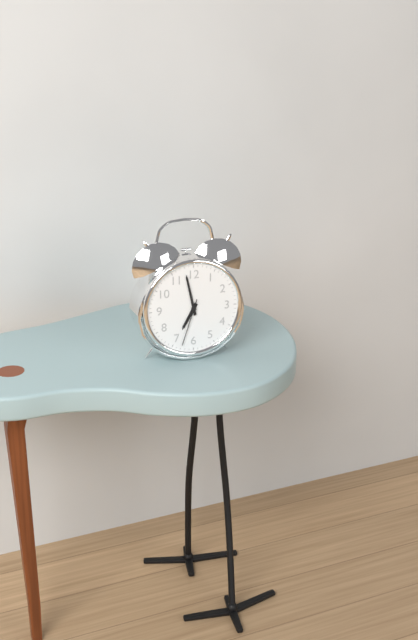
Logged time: 6 h 58 min
